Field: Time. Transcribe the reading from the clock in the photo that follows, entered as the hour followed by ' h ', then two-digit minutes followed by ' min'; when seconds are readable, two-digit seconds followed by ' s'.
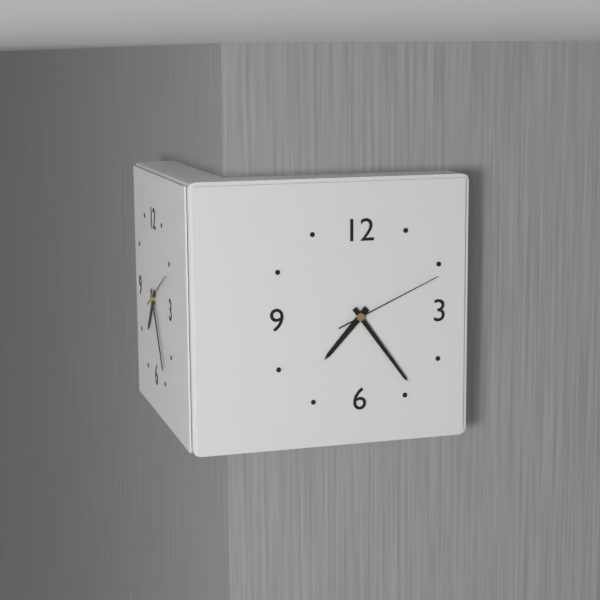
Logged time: 7 h 24 min 11 s
